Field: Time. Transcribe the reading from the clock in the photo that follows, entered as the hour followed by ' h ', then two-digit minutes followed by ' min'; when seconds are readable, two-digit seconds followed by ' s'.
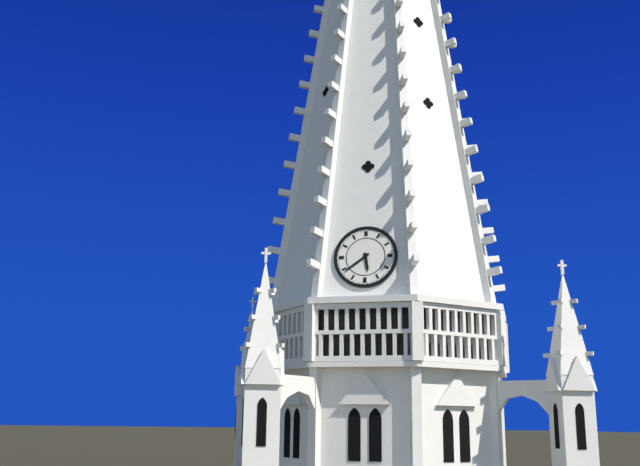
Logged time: 5 h 39 min
